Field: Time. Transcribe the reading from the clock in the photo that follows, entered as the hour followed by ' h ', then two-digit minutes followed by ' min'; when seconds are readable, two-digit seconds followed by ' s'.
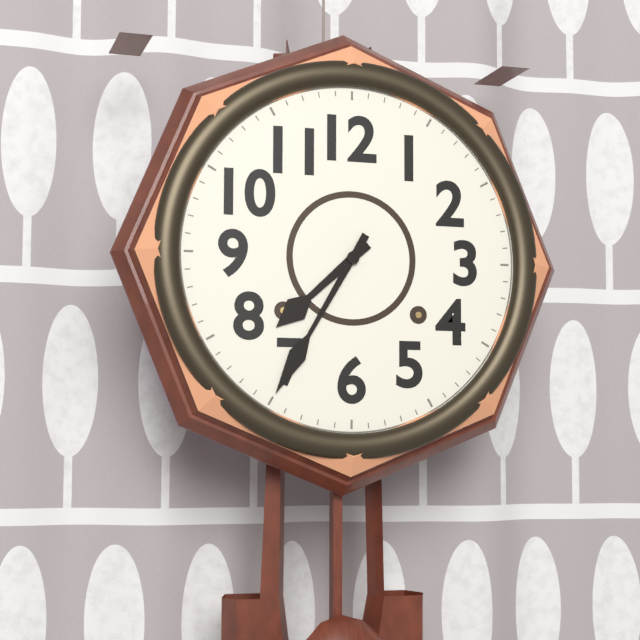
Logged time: 7 h 35 min
